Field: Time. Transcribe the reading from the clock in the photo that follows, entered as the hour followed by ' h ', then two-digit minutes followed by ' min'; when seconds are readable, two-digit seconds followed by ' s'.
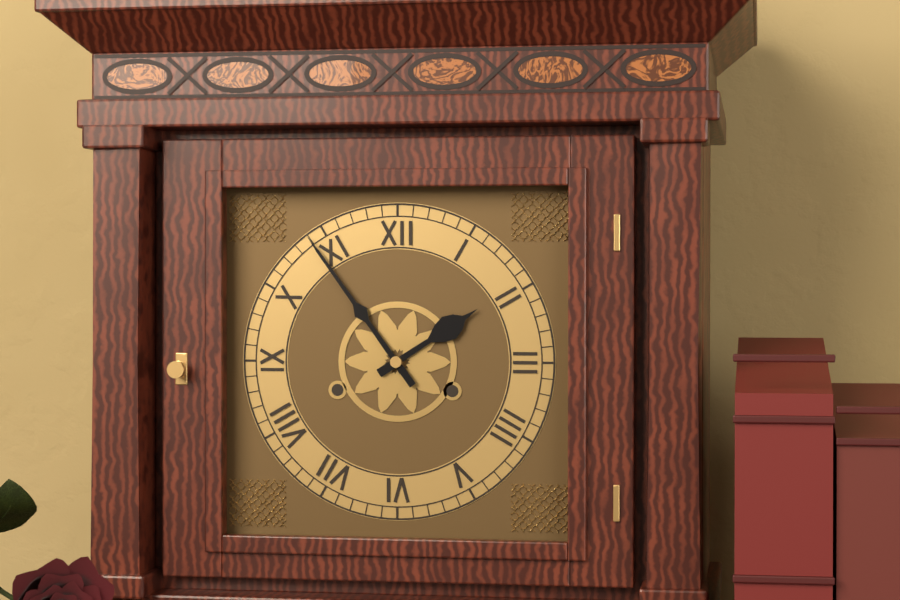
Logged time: 1 h 54 min
